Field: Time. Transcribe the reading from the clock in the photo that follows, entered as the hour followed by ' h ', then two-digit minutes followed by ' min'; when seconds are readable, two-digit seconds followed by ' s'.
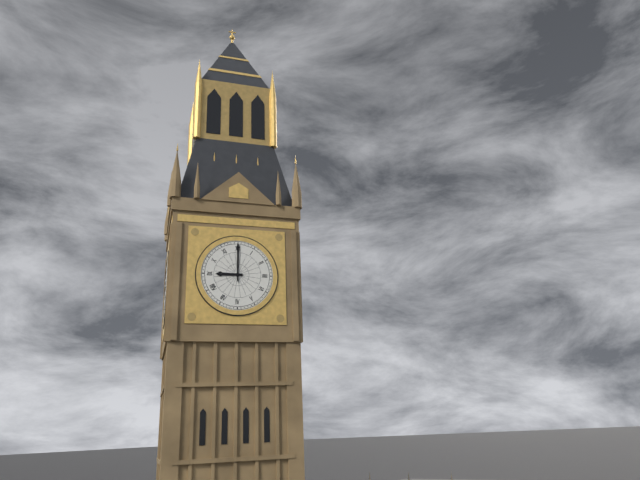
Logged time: 9 h 00 min
